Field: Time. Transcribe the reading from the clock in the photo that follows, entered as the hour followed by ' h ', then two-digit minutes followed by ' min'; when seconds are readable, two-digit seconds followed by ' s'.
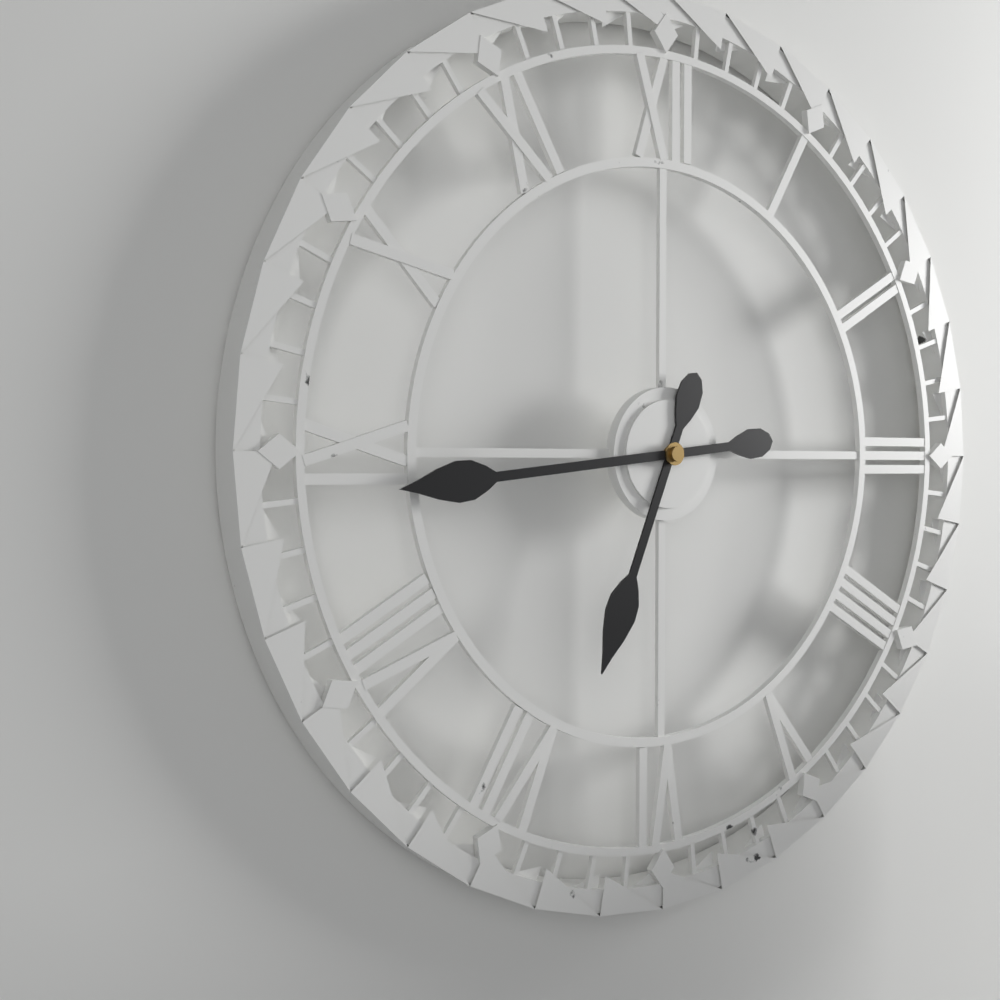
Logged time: 6 h 44 min
